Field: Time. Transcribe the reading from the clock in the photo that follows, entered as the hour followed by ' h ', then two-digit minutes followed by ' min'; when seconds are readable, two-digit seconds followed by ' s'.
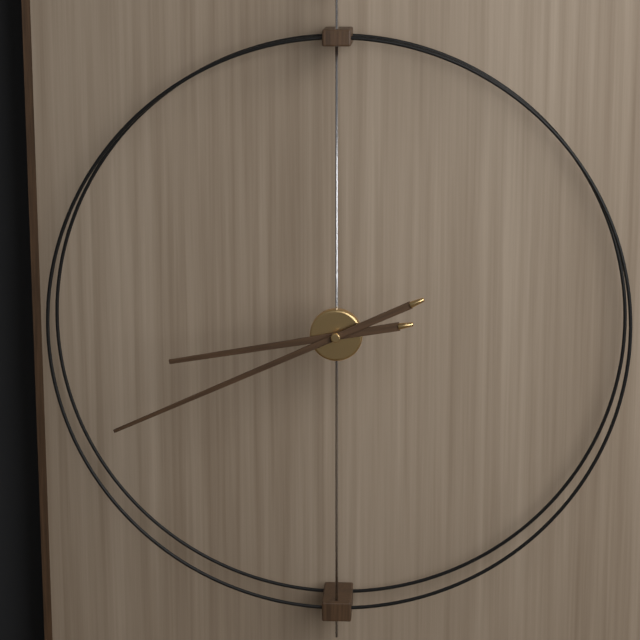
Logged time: 8 h 41 min
